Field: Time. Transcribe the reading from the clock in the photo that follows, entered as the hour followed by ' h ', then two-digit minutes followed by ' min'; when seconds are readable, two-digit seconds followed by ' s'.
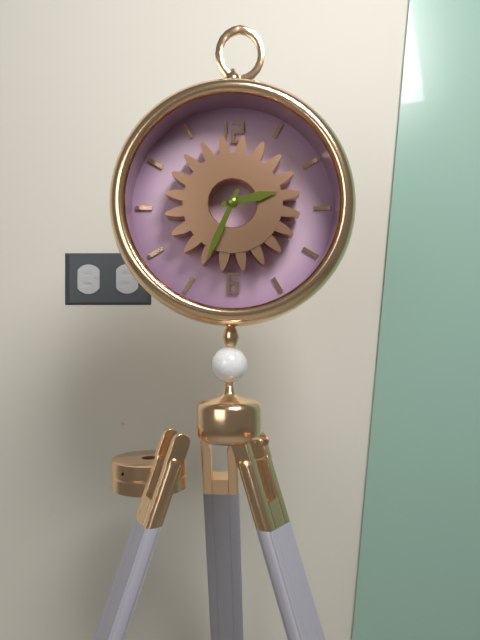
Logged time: 2 h 34 min
